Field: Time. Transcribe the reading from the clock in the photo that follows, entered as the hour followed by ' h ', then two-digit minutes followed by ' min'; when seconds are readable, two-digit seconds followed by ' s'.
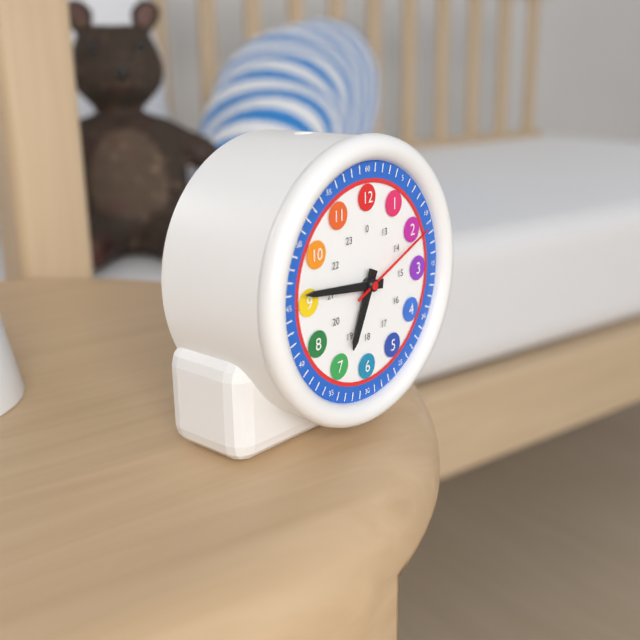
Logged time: 6 h 46 min 11 s
